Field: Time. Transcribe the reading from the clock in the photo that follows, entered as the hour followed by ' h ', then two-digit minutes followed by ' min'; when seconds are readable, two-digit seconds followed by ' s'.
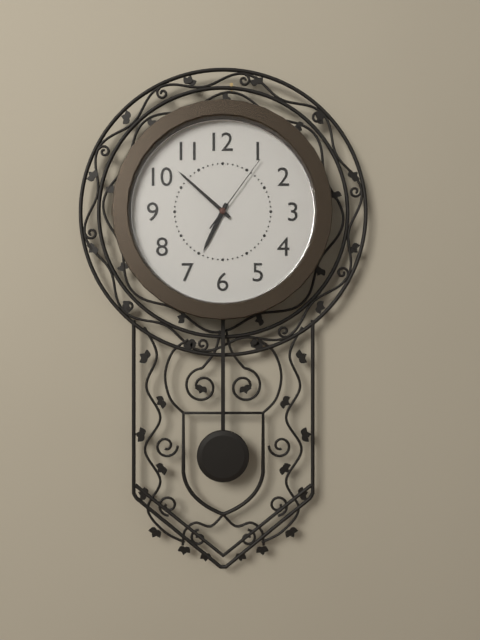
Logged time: 6 h 52 min 06 s
